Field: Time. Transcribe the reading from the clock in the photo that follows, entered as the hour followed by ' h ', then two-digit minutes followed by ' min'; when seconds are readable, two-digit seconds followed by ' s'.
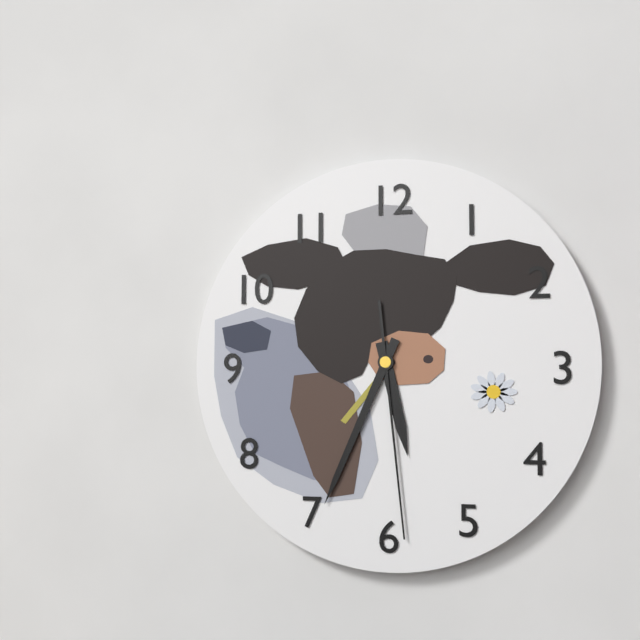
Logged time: 5 h 34 min 29 s
